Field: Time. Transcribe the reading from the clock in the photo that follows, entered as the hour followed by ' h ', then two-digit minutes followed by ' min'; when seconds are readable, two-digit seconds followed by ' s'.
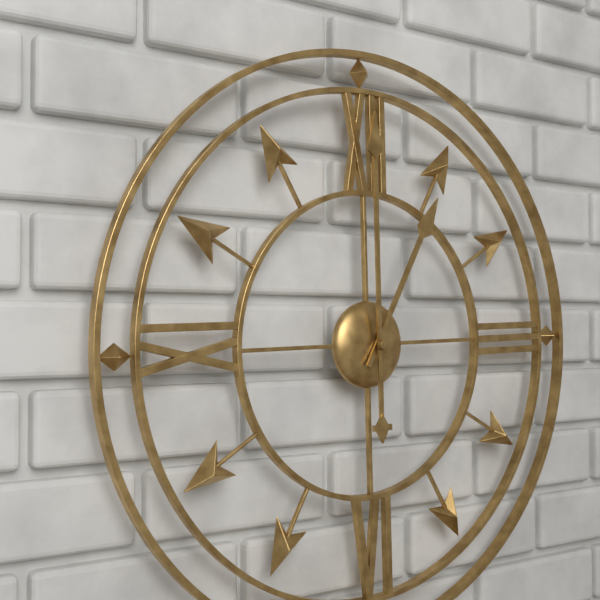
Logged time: 1 h 00 min
